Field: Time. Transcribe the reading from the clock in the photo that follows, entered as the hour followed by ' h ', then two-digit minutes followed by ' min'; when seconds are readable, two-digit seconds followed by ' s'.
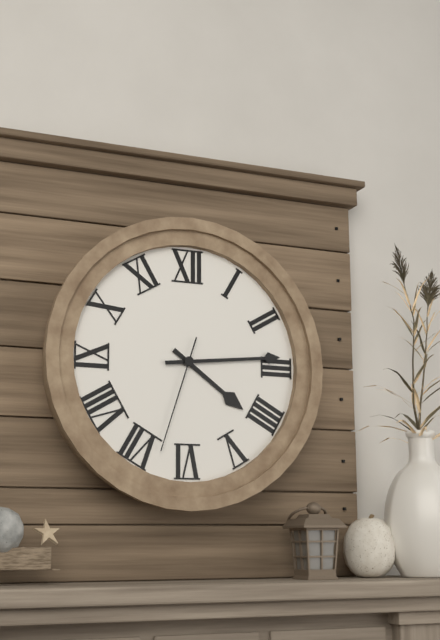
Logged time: 4 h 14 min 33 s
